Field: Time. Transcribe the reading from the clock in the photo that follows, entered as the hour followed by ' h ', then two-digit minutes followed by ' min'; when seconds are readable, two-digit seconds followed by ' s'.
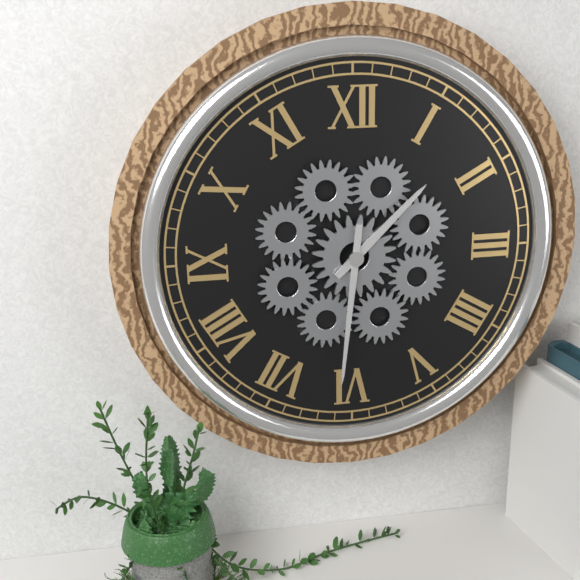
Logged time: 1 h 31 min
